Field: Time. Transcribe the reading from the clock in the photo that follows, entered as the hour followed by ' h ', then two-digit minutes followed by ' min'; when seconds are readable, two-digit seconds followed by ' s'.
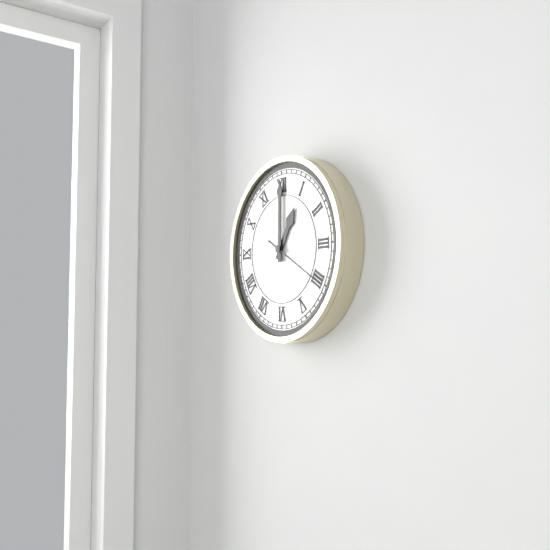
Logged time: 1 h 00 min 20 s
